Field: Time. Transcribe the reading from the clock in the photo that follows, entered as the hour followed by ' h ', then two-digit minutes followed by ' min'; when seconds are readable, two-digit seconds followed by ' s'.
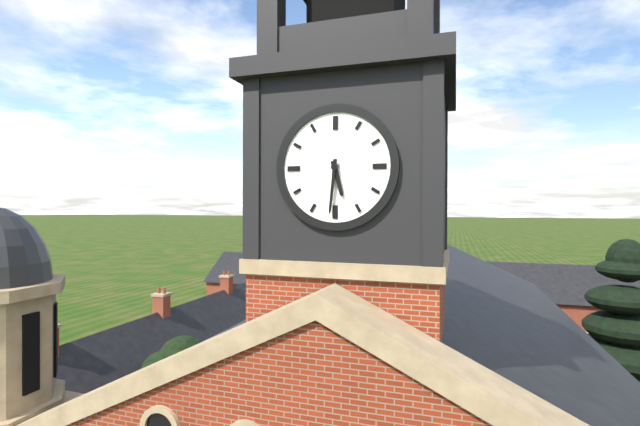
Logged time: 5 h 31 min
